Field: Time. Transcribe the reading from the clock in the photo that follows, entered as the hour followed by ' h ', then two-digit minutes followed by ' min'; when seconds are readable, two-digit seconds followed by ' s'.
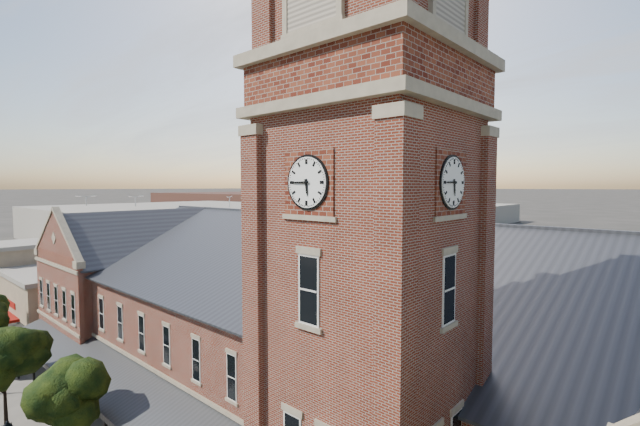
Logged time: 5 h 45 min
